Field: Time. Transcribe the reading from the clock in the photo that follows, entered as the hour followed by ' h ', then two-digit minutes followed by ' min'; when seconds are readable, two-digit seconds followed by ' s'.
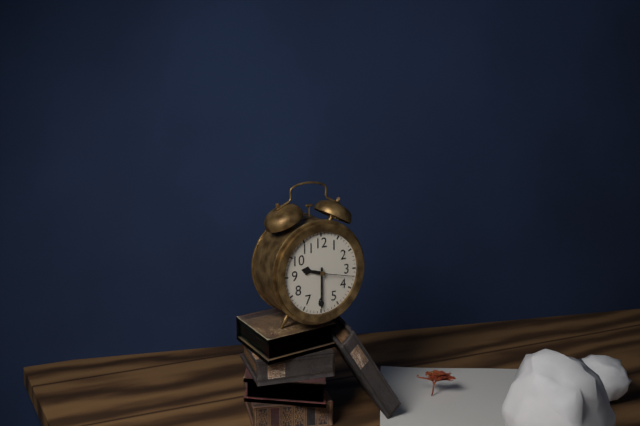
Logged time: 9 h 30 min
